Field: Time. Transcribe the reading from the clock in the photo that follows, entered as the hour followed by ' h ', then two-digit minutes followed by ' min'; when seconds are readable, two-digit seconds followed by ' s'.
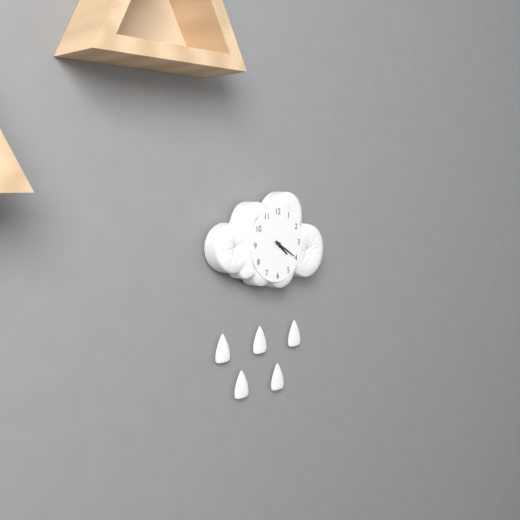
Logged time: 4 h 20 min
